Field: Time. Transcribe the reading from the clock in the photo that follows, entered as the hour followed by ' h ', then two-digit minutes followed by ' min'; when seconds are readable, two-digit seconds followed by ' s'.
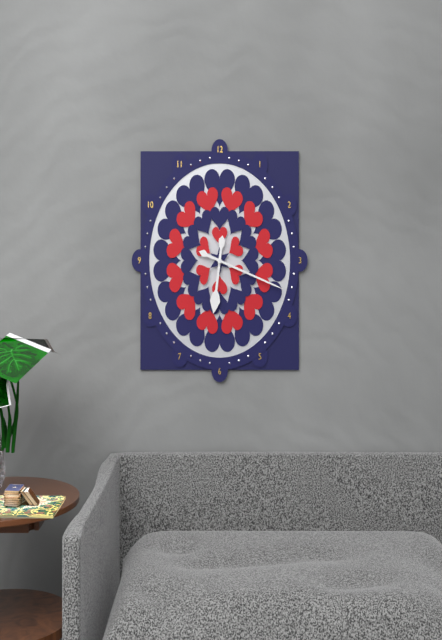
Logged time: 6 h 18 min
